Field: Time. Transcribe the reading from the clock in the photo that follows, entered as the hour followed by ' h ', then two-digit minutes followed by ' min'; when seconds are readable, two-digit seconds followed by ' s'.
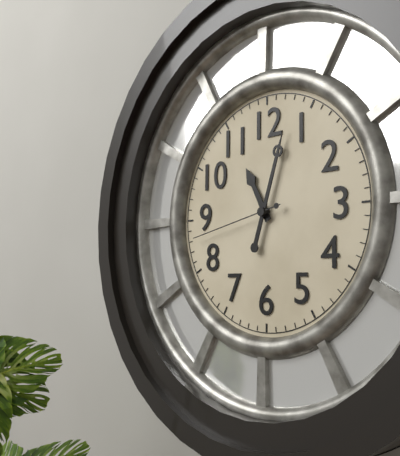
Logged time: 11 h 03 min 43 s
